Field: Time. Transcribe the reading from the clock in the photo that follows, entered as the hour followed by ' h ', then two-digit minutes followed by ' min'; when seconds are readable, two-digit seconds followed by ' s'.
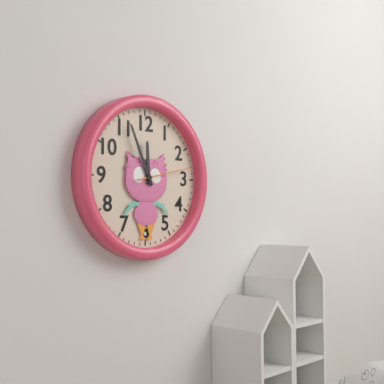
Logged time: 11 h 56 min 13 s
